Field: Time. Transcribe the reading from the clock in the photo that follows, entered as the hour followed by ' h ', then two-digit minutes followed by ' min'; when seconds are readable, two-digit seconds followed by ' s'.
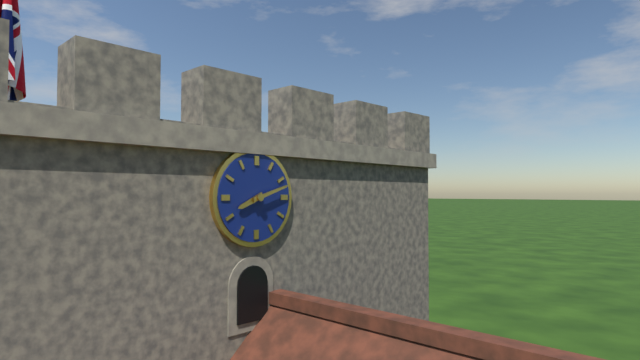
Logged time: 8 h 12 min
